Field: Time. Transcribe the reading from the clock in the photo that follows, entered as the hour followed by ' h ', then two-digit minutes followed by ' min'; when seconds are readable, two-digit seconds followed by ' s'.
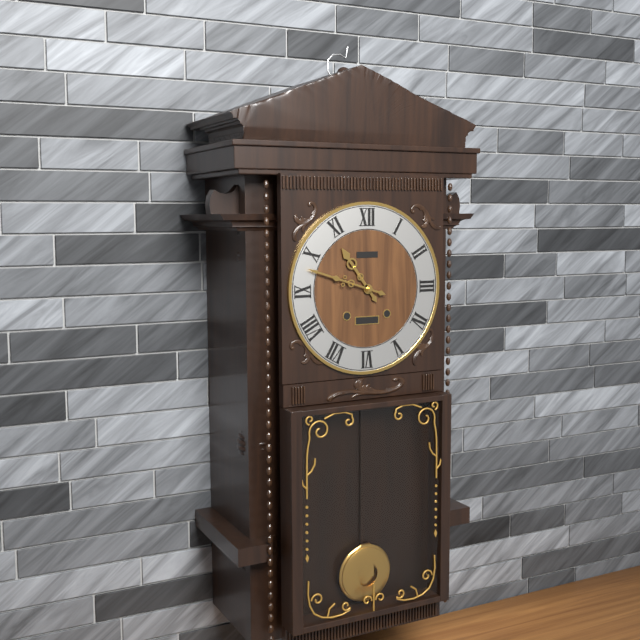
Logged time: 10 h 48 min
